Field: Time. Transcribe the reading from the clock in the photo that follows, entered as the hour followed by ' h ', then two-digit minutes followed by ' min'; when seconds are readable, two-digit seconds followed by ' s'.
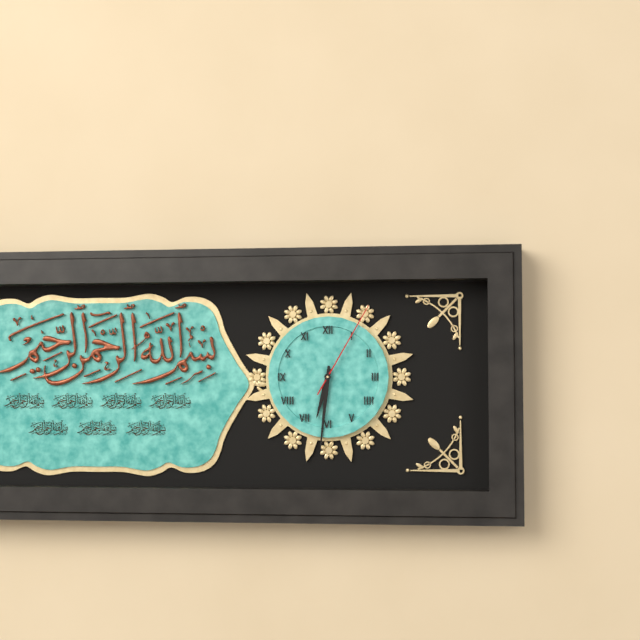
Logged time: 6 h 31 min 05 s
